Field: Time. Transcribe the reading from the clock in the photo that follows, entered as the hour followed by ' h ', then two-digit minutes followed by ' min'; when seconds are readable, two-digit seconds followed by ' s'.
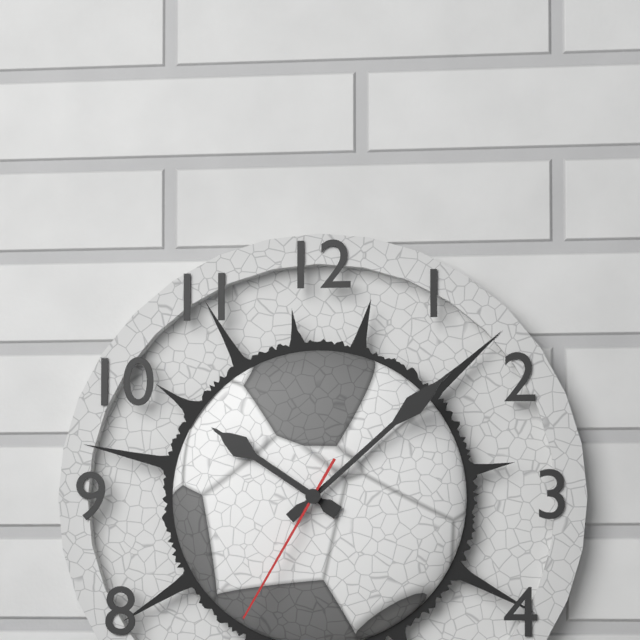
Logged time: 10 h 08 min 35 s
